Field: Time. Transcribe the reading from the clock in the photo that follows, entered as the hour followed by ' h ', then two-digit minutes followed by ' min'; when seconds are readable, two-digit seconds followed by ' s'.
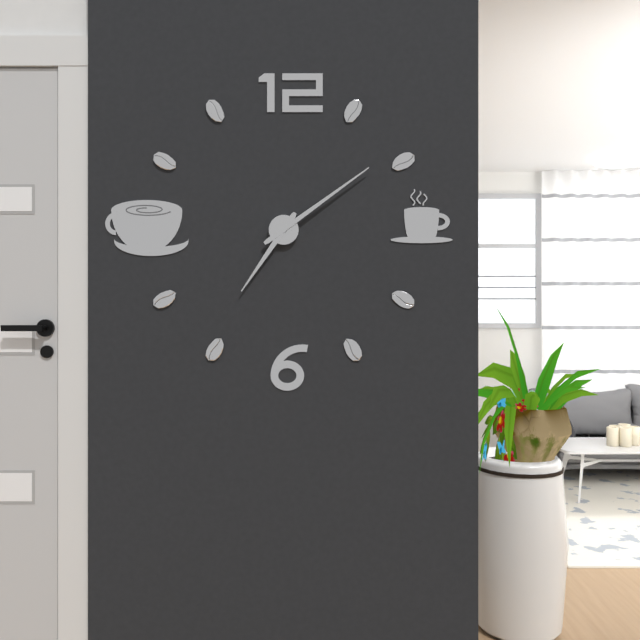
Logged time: 7 h 09 min
